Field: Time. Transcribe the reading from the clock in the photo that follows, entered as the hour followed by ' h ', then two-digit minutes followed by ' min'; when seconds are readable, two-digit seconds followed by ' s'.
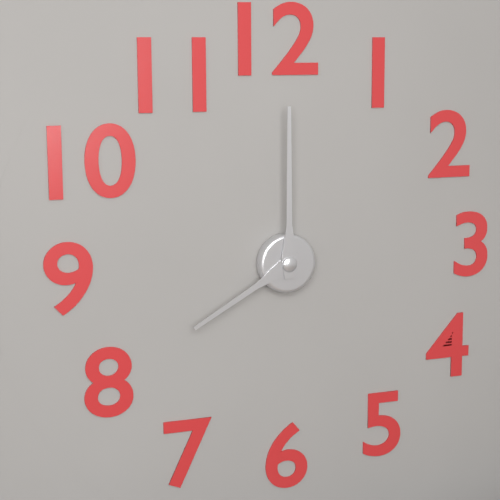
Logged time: 8 h 00 min
